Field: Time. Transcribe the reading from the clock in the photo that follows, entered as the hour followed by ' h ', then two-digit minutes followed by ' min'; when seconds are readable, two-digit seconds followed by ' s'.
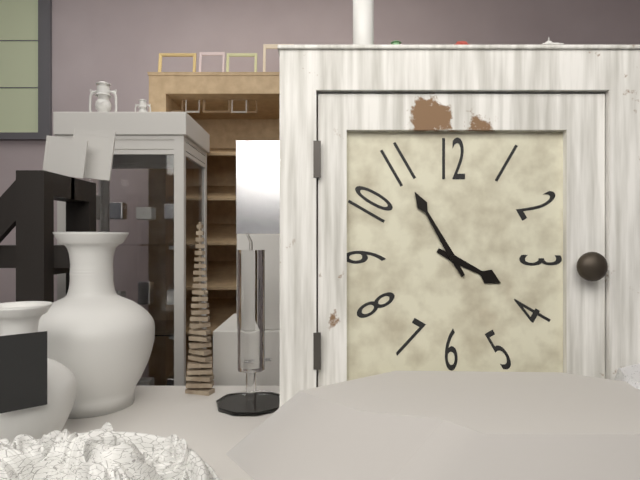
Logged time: 3 h 55 min
